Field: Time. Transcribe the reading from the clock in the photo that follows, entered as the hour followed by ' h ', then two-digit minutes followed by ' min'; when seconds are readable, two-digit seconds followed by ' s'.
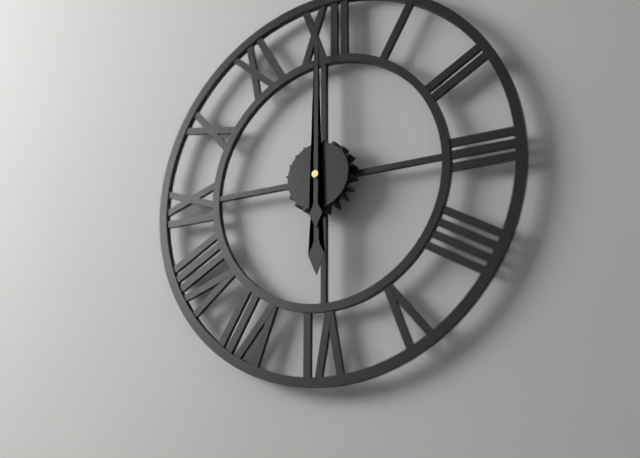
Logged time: 6 h 00 min
